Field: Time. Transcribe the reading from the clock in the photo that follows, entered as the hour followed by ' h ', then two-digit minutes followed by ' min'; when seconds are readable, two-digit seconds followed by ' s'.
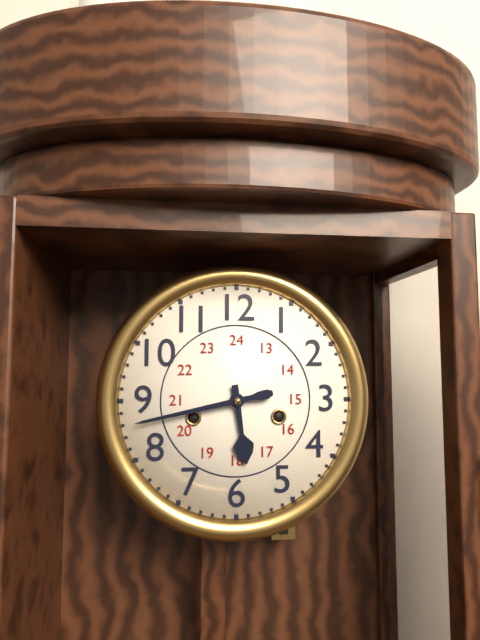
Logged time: 5 h 43 min
